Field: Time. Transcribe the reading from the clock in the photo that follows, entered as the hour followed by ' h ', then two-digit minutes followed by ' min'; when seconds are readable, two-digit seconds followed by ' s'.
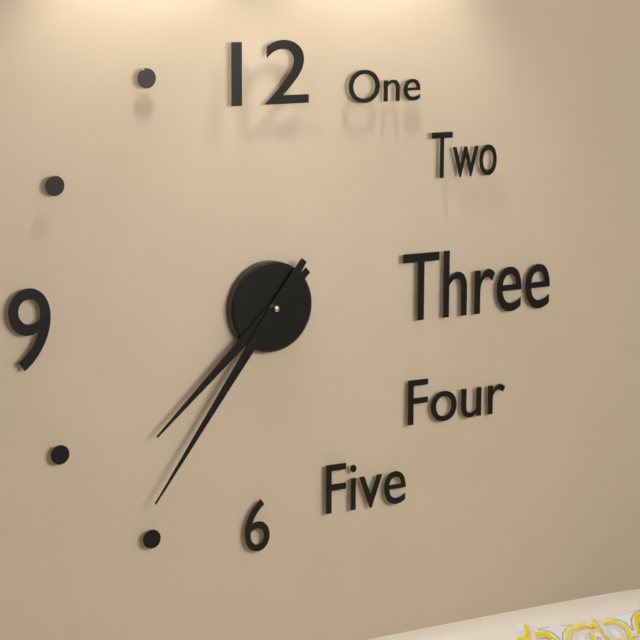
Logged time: 7 h 36 min
